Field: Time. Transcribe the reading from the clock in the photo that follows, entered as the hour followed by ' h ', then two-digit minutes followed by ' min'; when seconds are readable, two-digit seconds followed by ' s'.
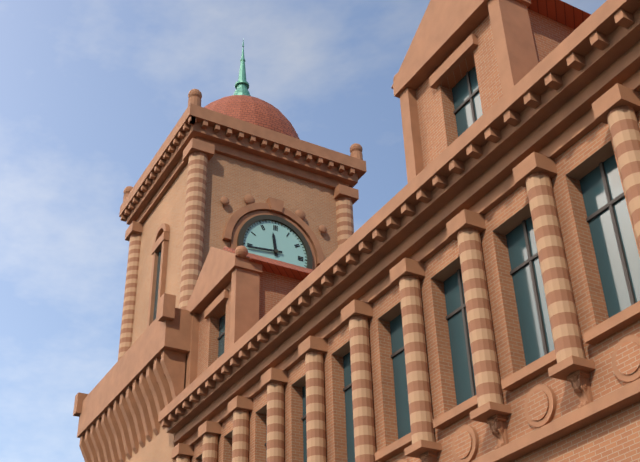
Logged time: 11 h 44 min
